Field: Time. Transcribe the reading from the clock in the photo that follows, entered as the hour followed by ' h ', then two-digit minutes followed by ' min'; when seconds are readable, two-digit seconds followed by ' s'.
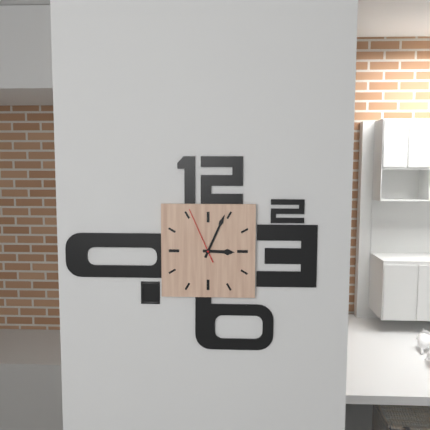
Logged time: 3 h 04 min 56 s
